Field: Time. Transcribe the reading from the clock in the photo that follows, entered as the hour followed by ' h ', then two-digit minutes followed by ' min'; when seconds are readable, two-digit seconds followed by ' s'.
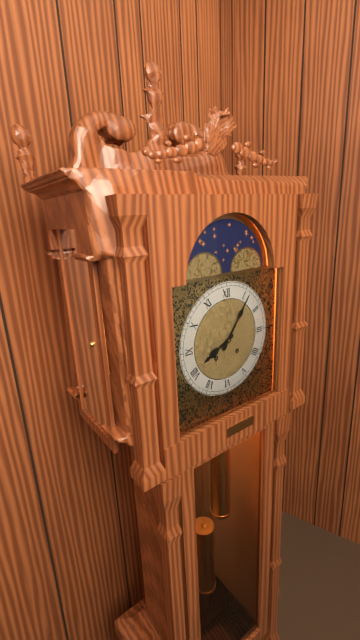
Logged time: 8 h 06 min
